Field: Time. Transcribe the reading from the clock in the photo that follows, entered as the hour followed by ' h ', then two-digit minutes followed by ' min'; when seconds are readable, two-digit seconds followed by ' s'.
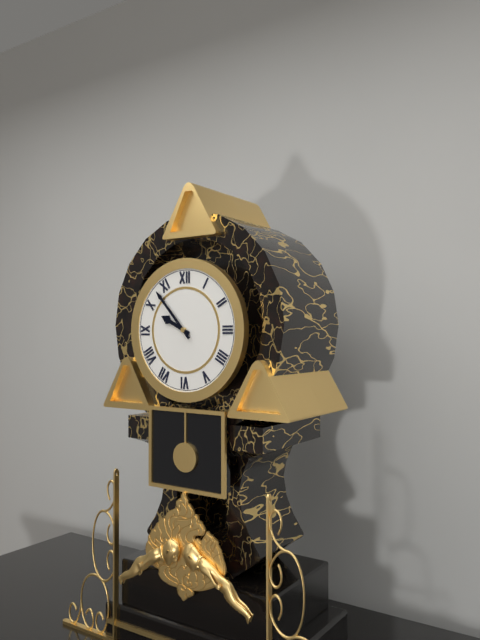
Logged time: 9 h 53 min
